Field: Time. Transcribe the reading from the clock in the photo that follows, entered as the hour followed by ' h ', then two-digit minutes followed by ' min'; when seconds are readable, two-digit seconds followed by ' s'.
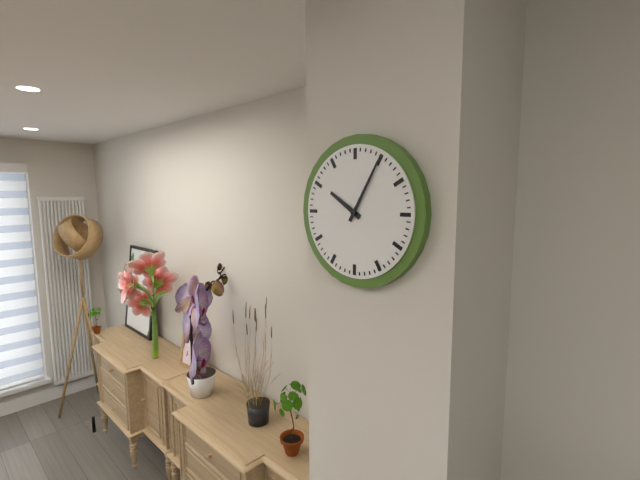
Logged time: 10 h 05 min
